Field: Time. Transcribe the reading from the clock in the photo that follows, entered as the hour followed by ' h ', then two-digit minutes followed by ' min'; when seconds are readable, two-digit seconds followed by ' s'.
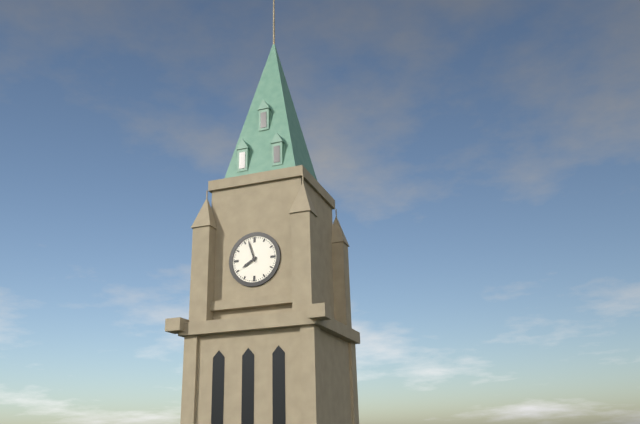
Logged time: 7 h 57 min
